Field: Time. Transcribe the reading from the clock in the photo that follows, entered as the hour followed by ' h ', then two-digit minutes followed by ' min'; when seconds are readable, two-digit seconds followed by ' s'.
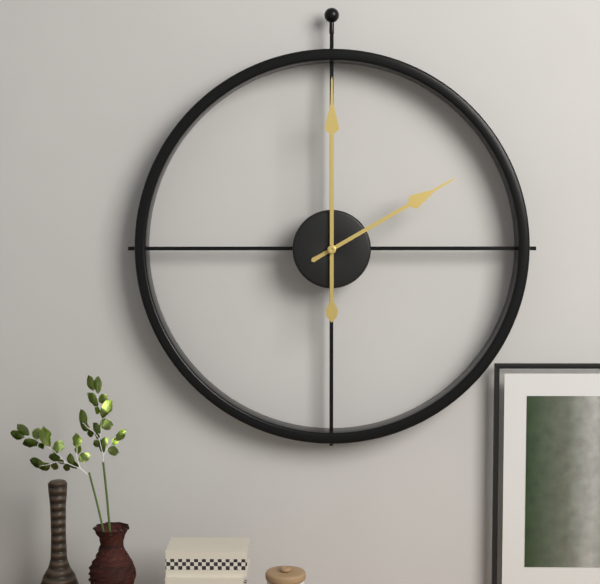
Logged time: 2 h 00 min
